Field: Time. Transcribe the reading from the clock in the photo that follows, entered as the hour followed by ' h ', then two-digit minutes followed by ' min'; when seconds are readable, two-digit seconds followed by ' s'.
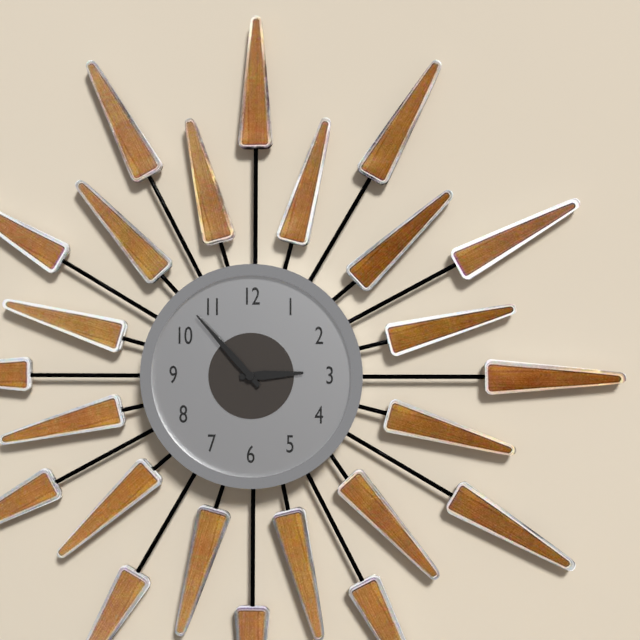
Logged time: 2 h 53 min
